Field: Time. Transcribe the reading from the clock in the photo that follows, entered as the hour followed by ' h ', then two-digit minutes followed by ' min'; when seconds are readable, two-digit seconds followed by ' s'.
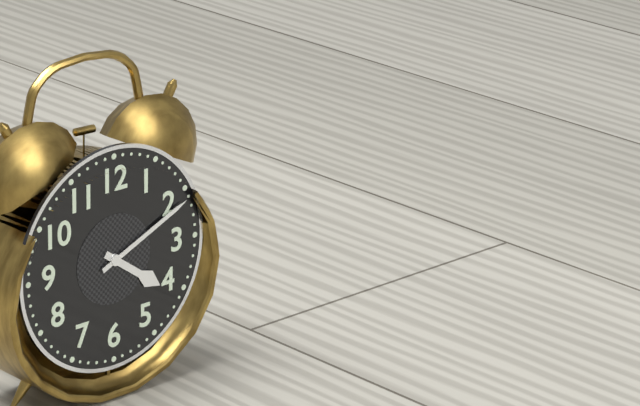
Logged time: 4 h 11 min
